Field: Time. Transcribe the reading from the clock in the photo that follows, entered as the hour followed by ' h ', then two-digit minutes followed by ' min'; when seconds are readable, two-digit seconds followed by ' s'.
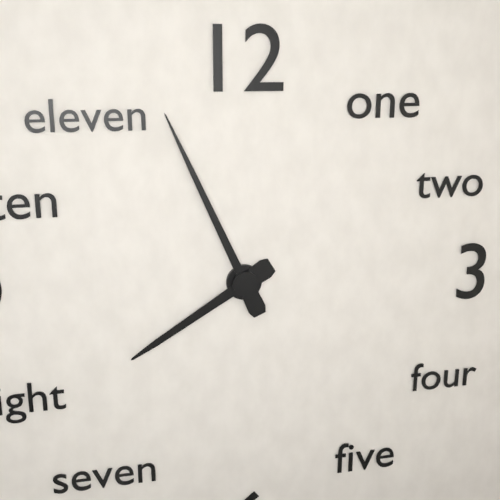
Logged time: 7 h 56 min
